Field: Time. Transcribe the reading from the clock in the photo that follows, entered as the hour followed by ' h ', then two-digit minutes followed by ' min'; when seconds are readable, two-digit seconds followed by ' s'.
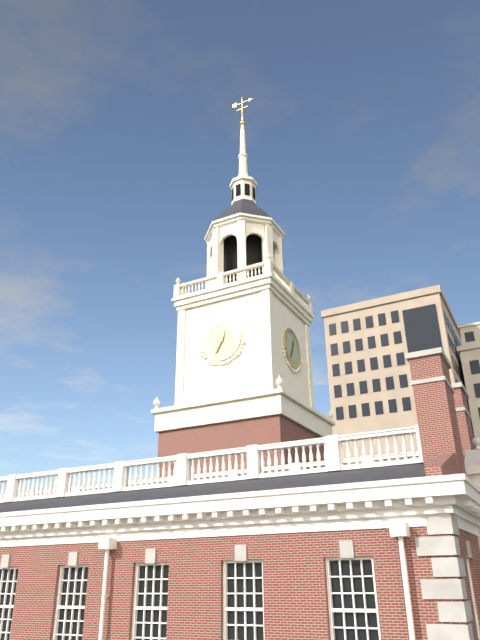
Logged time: 12 h 35 min
